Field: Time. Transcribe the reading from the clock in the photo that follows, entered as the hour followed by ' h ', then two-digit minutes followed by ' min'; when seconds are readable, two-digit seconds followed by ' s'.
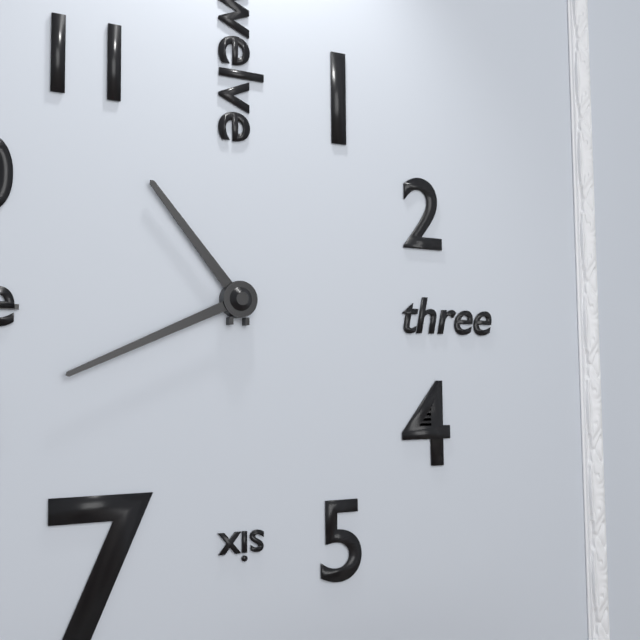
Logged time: 10 h 41 min
